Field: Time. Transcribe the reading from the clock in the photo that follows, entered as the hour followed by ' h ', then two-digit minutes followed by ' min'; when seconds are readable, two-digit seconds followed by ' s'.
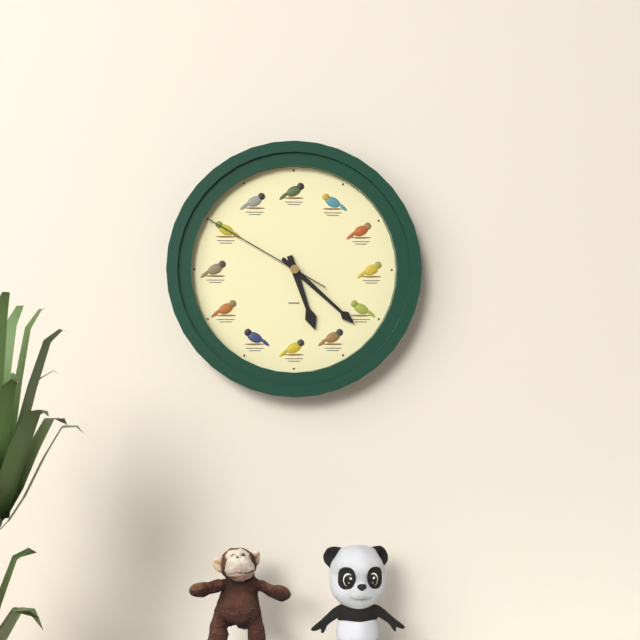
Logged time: 5 h 22 min 50 s
